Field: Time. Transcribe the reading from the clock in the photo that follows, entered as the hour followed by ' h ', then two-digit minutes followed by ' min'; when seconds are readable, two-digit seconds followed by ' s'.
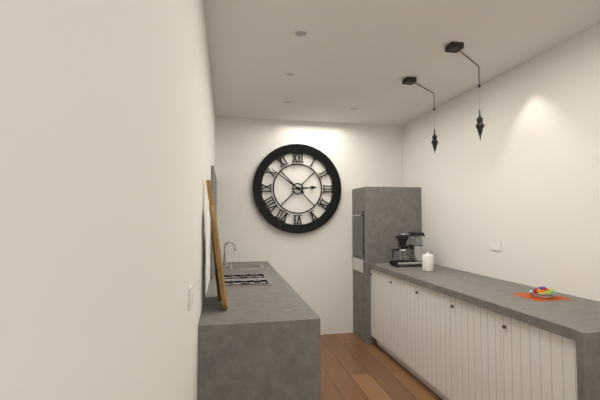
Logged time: 2 h 51 min
